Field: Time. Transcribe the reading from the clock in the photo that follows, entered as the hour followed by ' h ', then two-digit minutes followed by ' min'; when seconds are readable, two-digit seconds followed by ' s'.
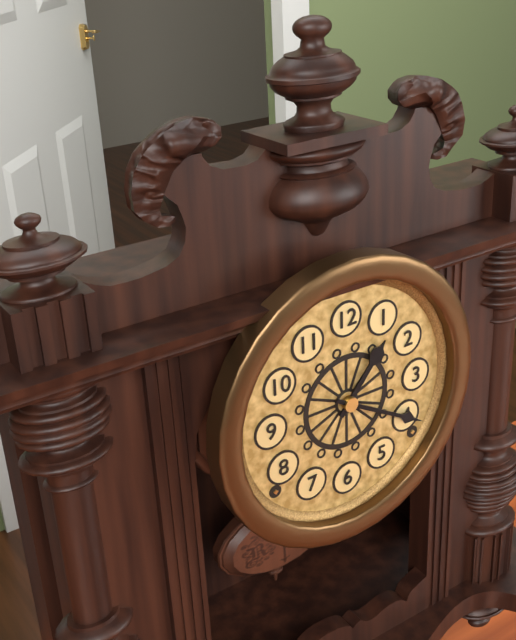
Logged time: 1 h 20 min
